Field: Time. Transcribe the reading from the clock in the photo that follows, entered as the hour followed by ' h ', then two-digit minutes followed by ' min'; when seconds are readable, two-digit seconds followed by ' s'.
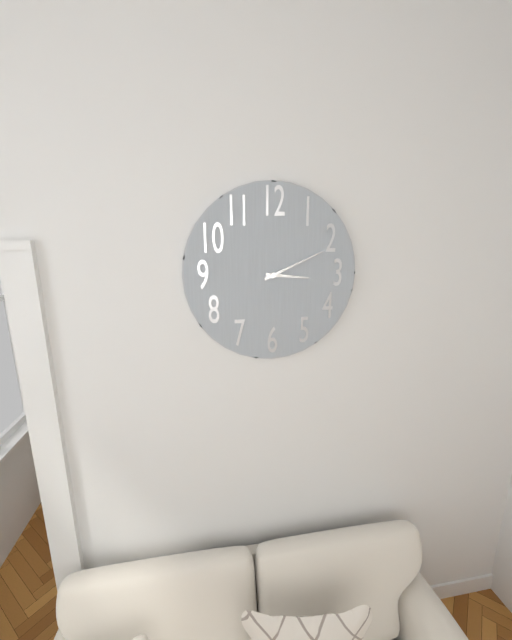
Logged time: 3 h 11 min
